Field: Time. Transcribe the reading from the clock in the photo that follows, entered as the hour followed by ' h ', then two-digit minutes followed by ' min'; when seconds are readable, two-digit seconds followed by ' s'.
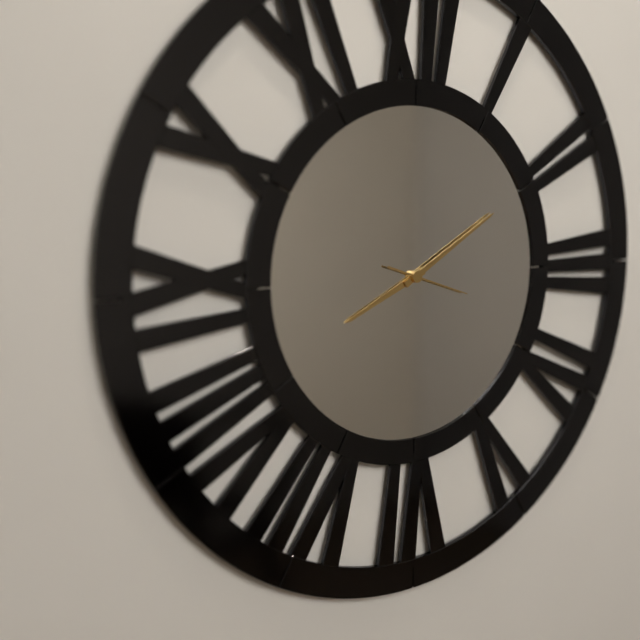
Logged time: 8 h 10 min 18 s
